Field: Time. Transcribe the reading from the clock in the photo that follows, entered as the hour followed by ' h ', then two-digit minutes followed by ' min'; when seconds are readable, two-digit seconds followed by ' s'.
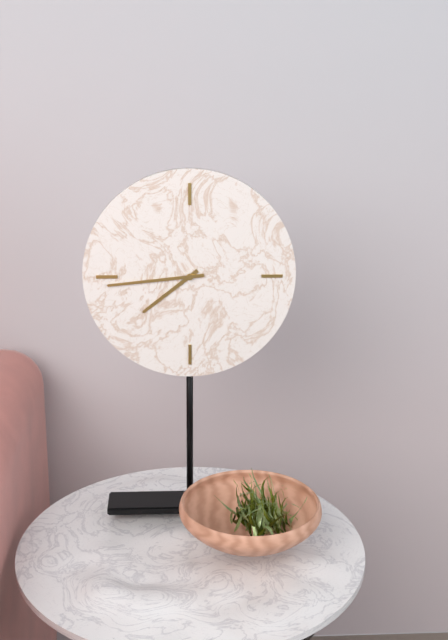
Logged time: 7 h 44 min
